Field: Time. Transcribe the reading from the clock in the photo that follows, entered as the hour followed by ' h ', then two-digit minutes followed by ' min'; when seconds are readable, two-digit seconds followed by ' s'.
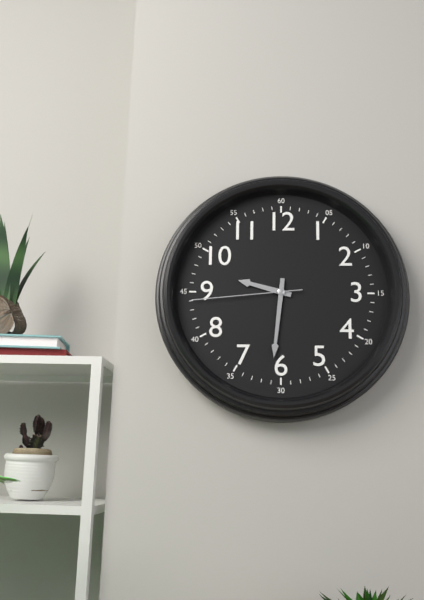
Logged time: 9 h 31 min 44 s
